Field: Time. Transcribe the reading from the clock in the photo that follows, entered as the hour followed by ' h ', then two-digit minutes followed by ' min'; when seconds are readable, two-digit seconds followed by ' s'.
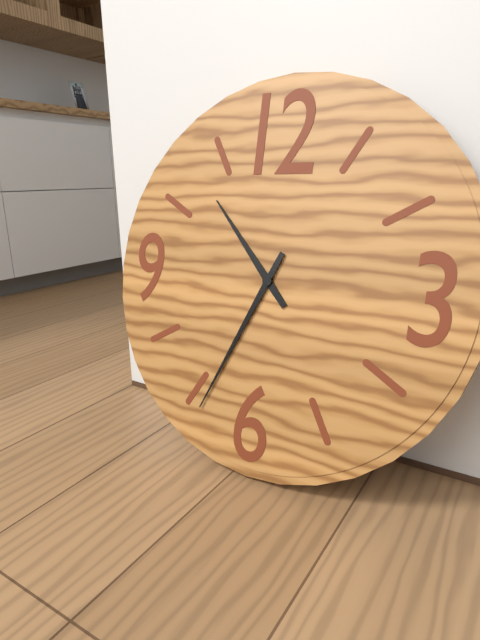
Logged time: 10 h 34 min
